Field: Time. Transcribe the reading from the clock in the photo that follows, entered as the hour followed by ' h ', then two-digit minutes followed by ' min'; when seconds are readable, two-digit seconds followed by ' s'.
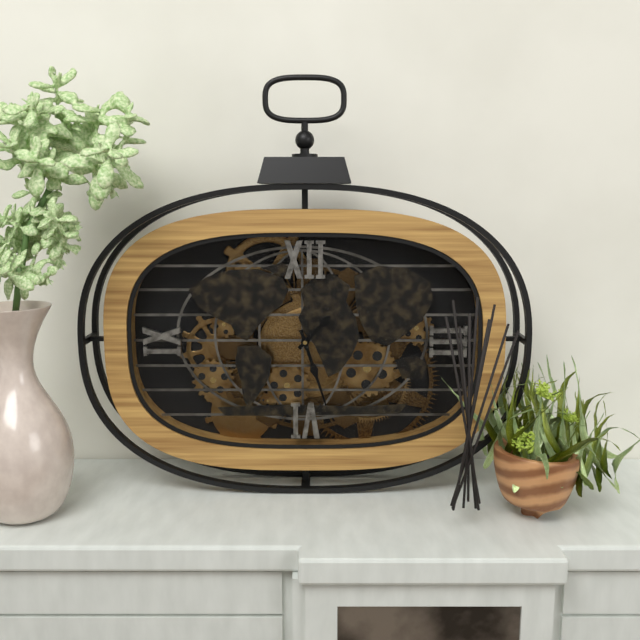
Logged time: 1 h 27 min
